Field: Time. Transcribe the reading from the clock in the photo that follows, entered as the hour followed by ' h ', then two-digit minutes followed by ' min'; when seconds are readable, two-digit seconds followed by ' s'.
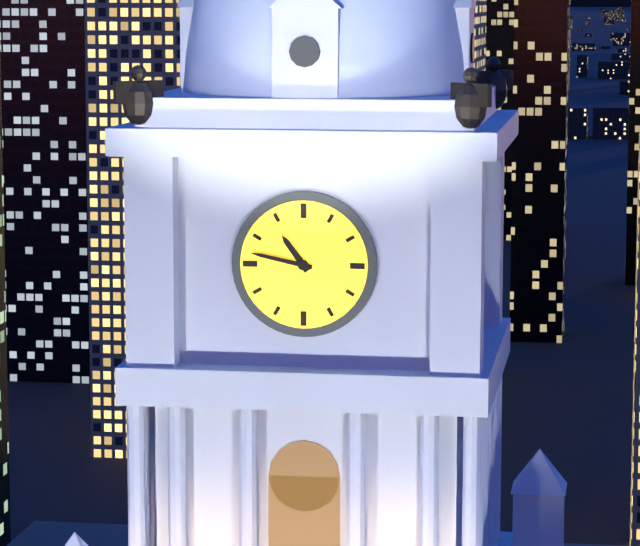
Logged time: 10 h 47 min
